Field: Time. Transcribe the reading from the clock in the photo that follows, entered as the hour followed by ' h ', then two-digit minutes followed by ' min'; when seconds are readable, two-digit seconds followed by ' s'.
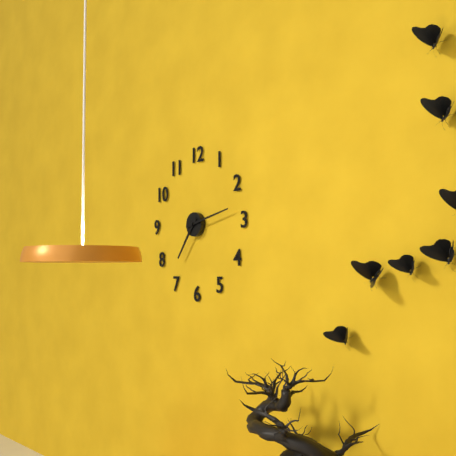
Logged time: 7 h 13 min
